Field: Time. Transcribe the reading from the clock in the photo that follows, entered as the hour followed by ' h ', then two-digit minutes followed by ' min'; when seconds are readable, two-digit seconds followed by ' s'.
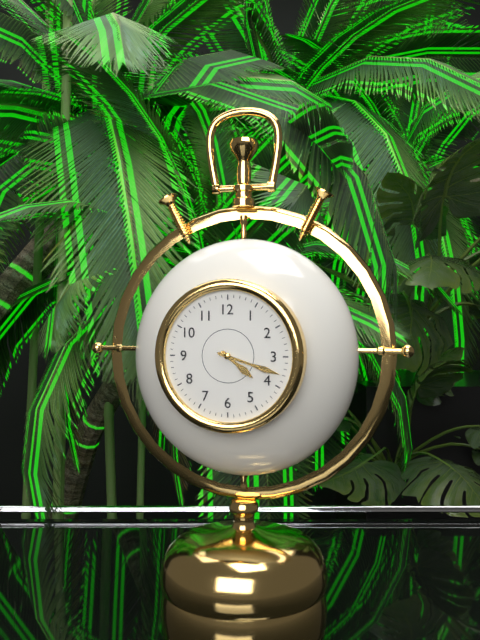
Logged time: 4 h 18 min
